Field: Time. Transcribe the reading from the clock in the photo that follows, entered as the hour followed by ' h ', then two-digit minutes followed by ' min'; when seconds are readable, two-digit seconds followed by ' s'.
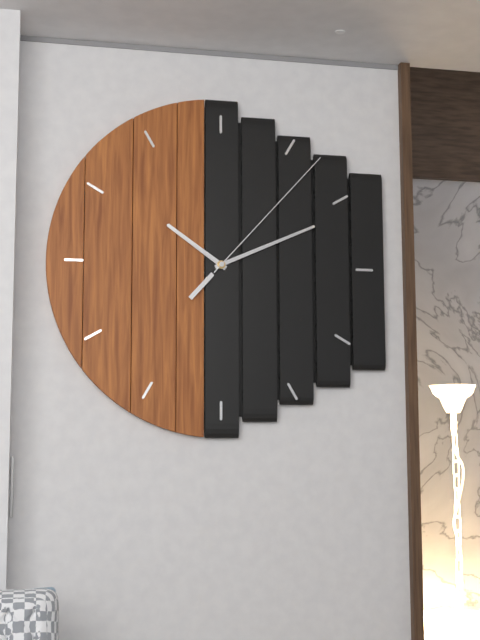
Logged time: 10 h 11 min 07 s
